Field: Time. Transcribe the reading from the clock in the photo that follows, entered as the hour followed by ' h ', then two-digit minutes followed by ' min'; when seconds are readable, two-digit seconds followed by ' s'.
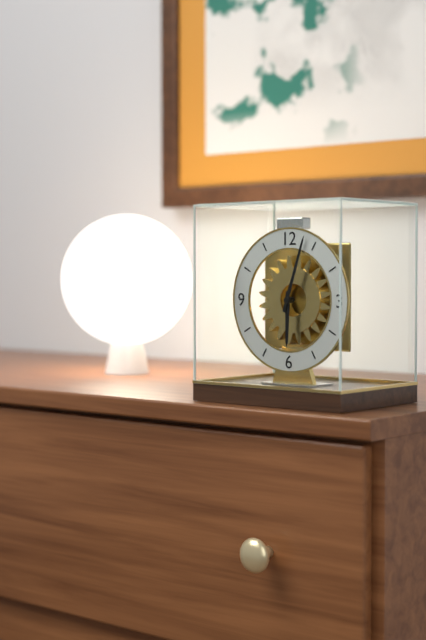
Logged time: 6 h 03 min
